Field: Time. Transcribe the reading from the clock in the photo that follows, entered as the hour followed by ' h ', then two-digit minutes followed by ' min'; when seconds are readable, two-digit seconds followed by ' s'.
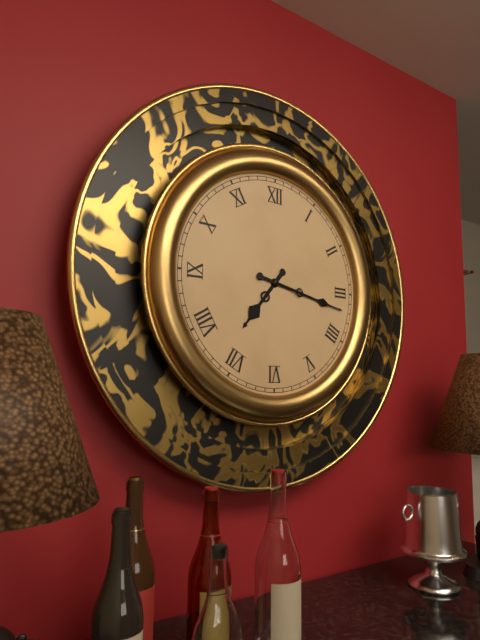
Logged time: 7 h 17 min
